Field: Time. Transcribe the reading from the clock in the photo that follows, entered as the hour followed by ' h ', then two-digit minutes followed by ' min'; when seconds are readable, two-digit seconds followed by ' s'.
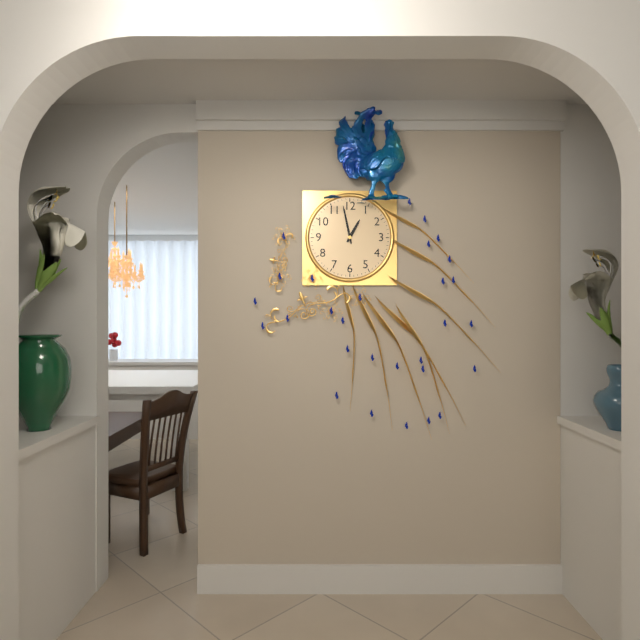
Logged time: 12 h 58 min
